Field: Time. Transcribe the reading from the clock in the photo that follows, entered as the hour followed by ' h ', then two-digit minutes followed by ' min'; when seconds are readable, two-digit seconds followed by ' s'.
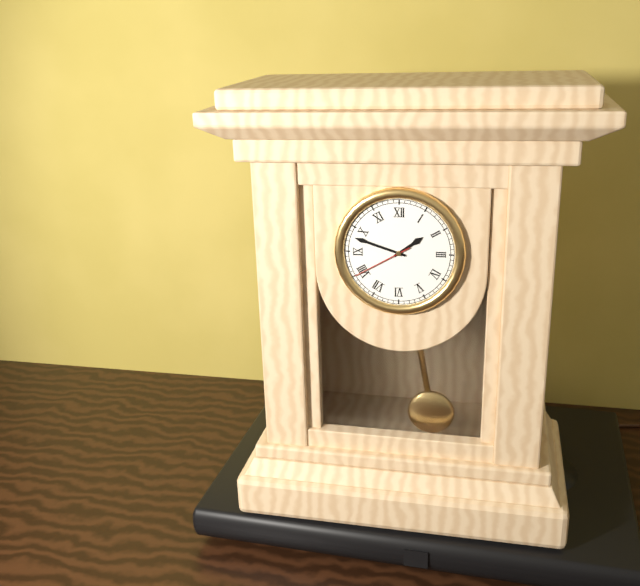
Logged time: 1 h 48 min 40 s
